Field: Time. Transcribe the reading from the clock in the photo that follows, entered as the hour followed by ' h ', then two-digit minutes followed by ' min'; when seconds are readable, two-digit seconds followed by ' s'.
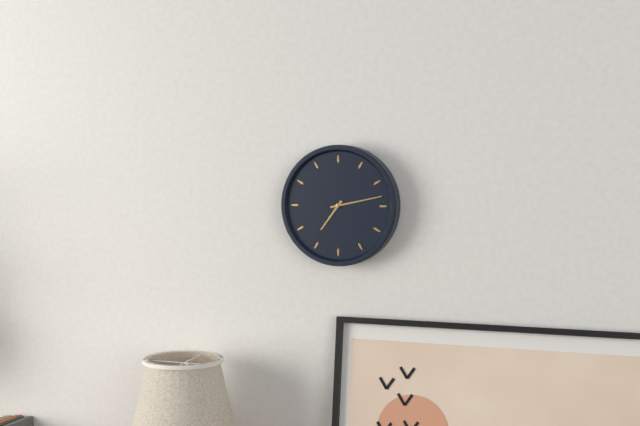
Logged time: 7 h 13 min
